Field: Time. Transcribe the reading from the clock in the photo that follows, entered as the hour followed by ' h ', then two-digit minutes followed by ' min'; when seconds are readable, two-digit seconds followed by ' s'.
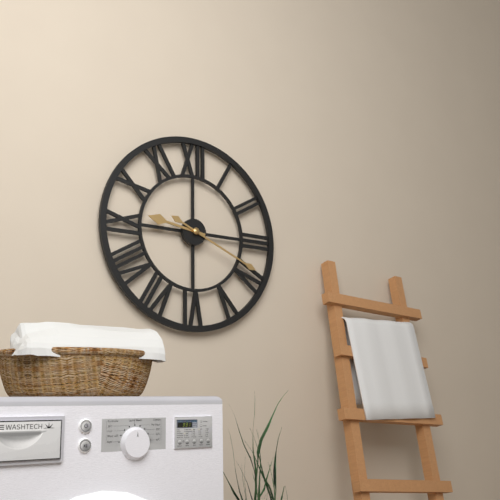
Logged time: 9 h 19 min
